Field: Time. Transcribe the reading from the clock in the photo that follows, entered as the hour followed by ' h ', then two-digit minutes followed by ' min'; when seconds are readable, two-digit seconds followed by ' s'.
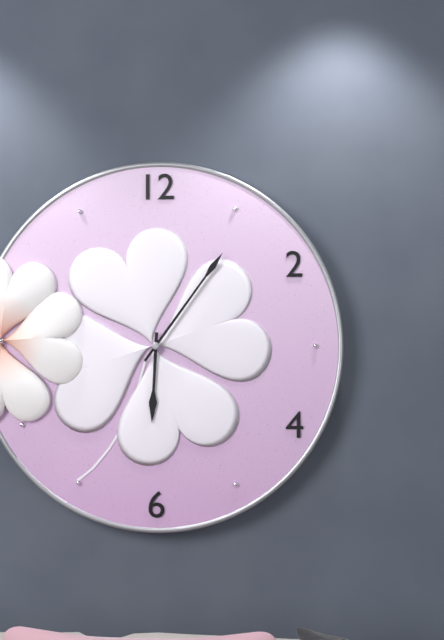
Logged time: 6 h 06 min
